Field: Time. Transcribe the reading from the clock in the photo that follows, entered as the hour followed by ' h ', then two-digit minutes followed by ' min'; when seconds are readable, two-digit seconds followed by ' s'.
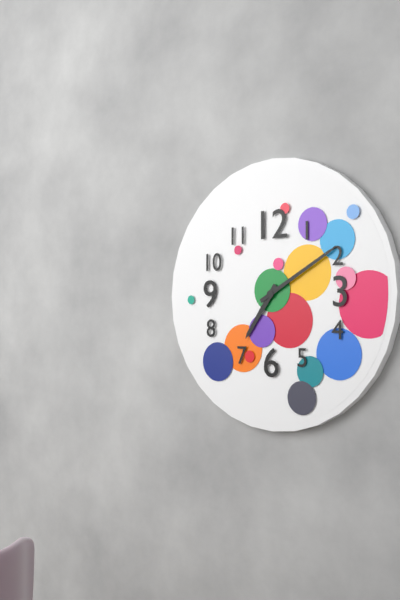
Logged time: 7 h 10 min
